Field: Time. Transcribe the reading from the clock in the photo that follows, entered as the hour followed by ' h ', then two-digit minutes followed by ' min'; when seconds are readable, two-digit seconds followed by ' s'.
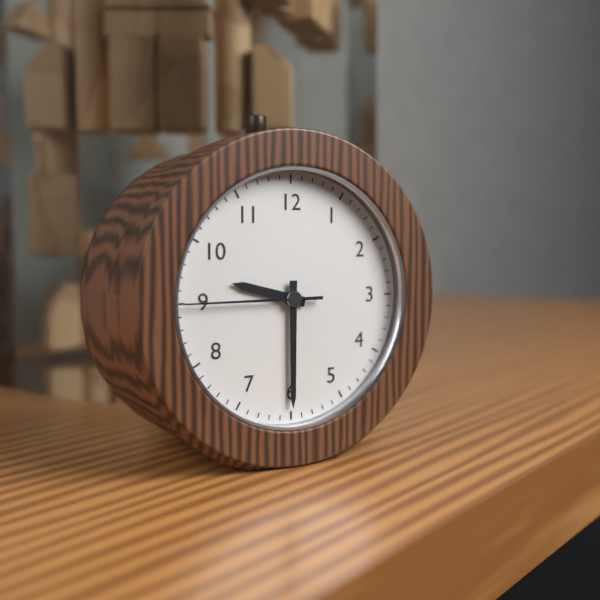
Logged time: 9 h 30 min 45 s
